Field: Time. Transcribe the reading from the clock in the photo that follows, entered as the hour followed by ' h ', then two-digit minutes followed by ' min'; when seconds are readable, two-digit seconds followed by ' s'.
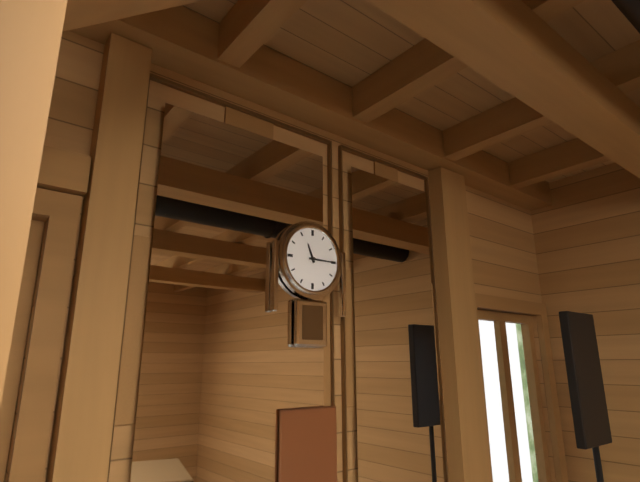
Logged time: 11 h 15 min
